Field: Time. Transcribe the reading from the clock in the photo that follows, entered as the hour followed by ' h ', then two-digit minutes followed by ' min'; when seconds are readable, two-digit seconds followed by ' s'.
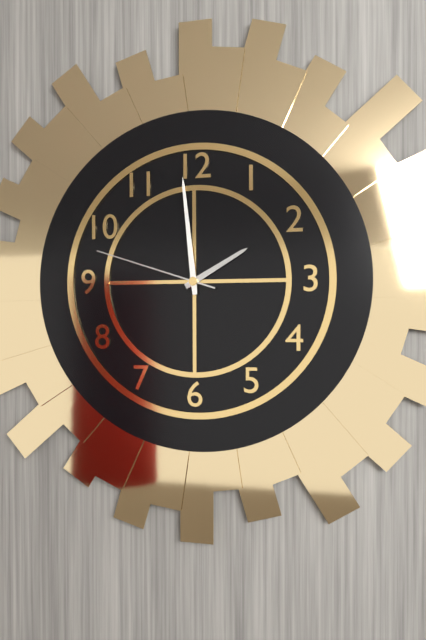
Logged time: 1 h 59 min 48 s
